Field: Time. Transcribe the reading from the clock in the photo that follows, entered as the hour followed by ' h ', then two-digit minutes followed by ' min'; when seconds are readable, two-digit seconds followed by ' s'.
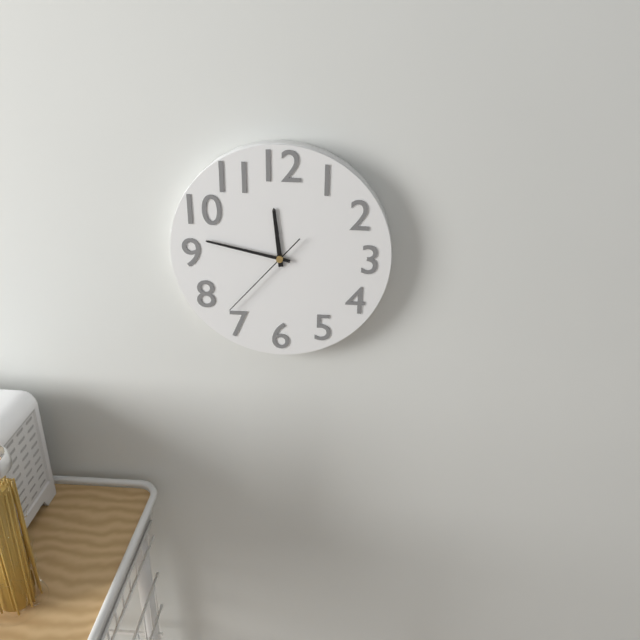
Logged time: 11 h 47 min 37 s
